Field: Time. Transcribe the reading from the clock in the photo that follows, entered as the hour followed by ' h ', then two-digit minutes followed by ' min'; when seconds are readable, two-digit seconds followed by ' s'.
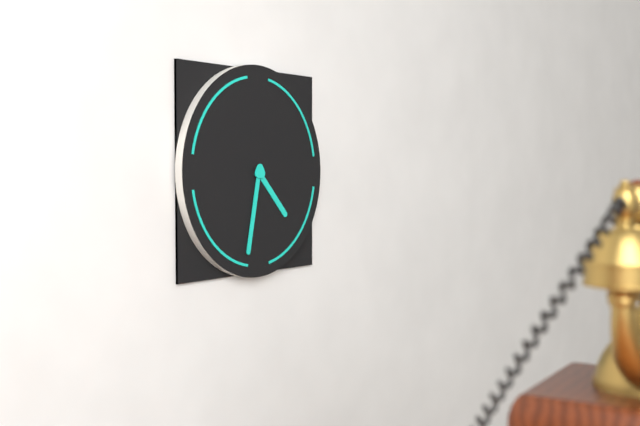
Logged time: 4 h 32 min
